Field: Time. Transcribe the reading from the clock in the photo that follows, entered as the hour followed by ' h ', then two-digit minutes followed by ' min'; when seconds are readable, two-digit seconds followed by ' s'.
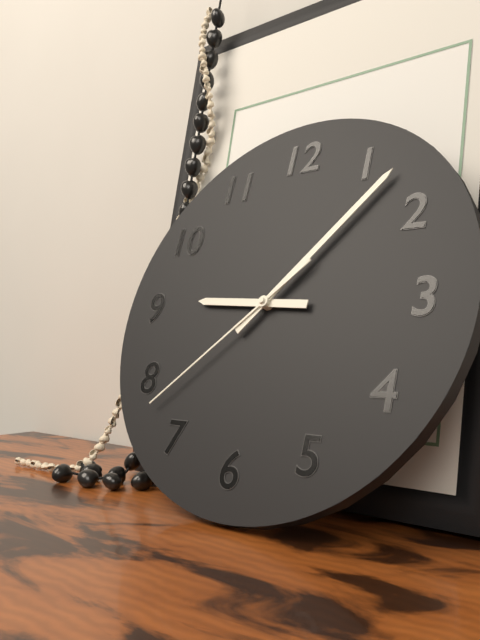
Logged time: 9 h 07 min 38 s
